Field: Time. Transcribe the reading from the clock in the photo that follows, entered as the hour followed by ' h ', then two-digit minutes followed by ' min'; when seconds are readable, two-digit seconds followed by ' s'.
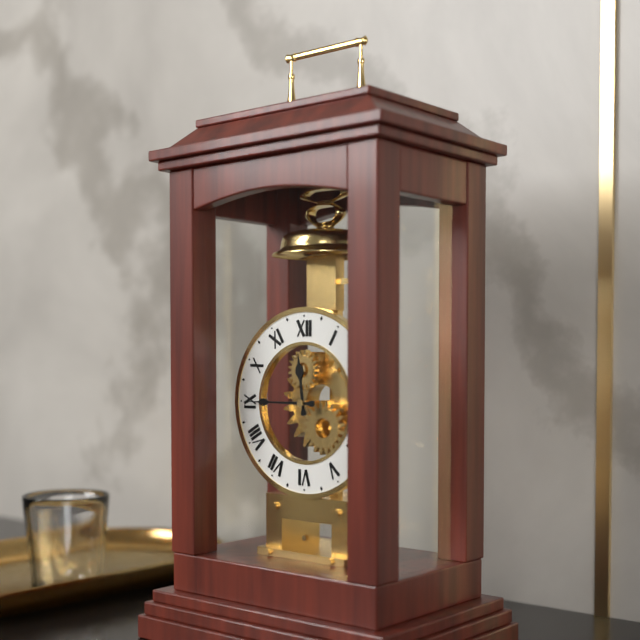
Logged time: 11 h 45 min
